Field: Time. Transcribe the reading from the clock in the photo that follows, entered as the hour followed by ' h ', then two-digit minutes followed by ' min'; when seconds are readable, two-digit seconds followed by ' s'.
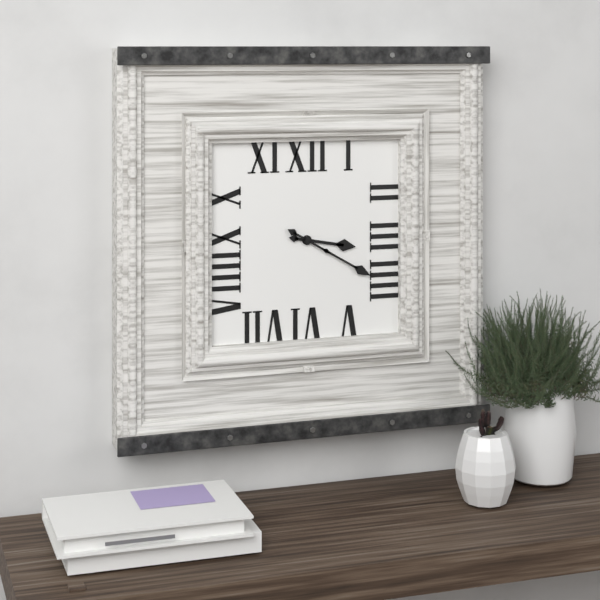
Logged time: 3 h 20 min
